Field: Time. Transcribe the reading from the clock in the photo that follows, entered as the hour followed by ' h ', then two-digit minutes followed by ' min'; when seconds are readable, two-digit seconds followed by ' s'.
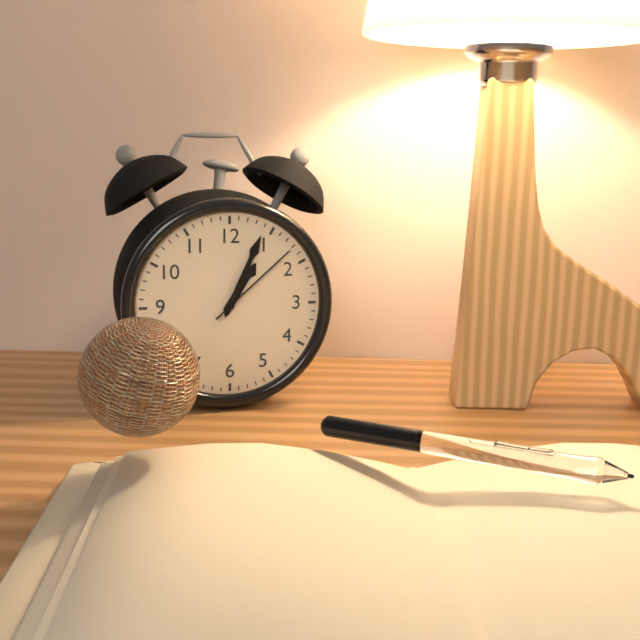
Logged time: 1 h 04 min 08 s
